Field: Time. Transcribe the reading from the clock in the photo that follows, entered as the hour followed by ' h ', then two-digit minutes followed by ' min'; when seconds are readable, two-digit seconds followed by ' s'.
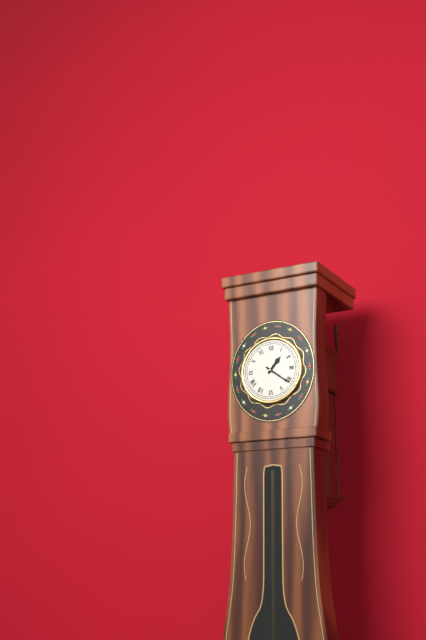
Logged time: 1 h 21 min
